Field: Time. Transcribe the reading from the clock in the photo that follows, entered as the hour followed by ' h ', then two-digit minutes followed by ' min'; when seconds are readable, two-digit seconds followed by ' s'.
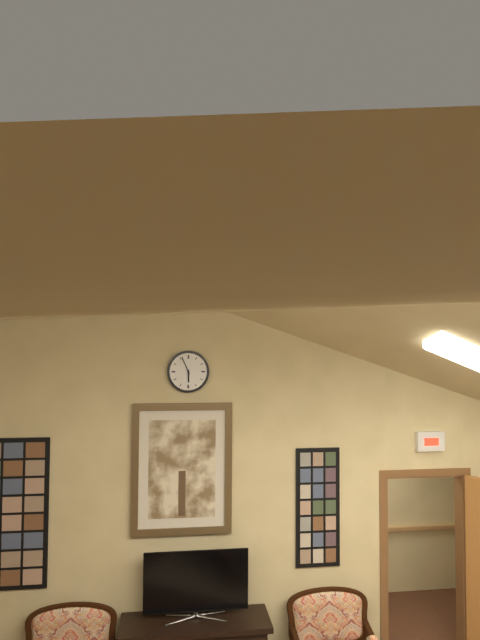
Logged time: 5 h 56 min
